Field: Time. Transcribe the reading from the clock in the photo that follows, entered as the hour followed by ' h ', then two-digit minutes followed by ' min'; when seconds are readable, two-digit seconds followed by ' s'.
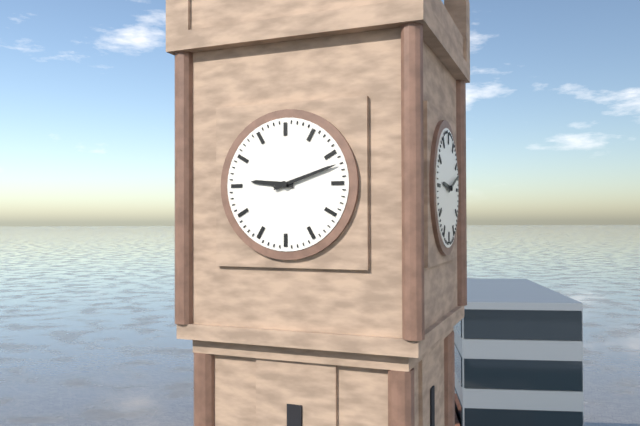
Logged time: 9 h 12 min
